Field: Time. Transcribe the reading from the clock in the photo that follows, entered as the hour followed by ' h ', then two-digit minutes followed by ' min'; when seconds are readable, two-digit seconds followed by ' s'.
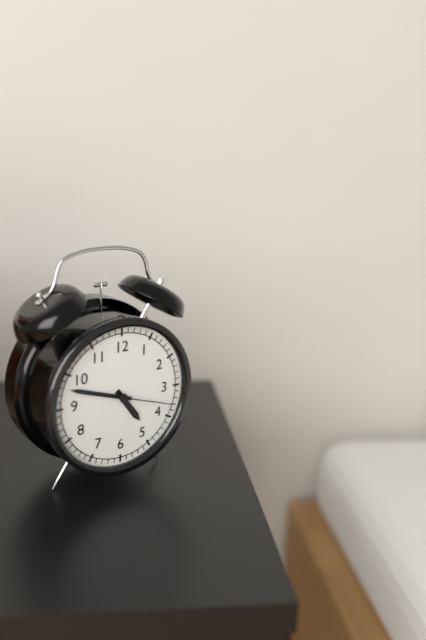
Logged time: 4 h 48 min 18 s
